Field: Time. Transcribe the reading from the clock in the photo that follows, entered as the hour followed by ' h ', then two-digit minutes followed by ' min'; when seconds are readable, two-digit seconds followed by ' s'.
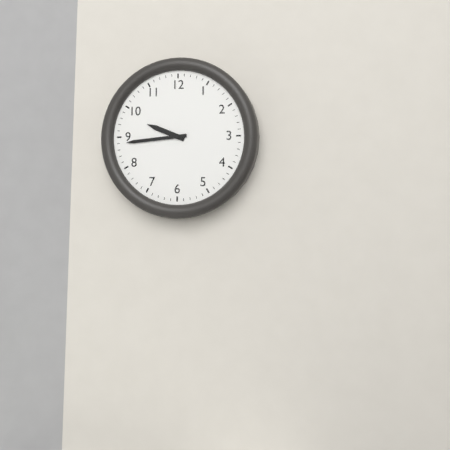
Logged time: 9 h 44 min
